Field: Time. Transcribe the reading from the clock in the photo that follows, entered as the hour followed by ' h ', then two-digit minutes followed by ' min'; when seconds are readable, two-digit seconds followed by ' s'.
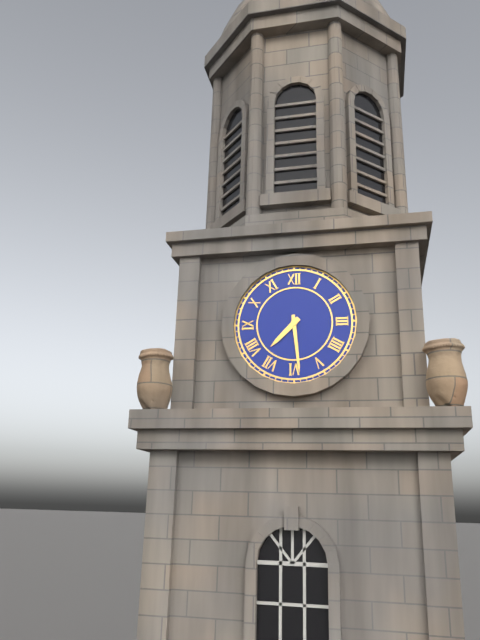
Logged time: 7 h 29 min
